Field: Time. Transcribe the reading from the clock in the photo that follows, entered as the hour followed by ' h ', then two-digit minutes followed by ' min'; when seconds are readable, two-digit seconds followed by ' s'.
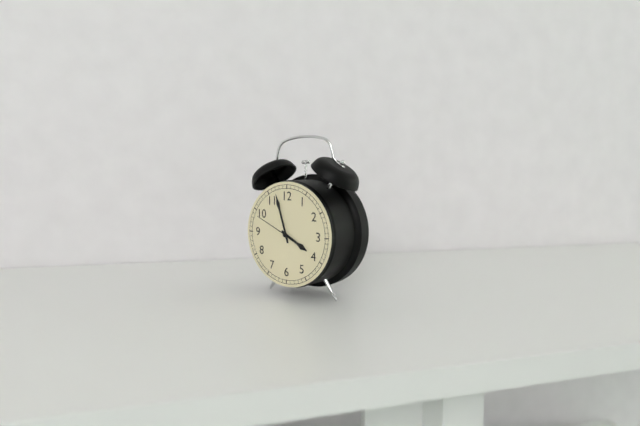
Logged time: 3 h 57 min
